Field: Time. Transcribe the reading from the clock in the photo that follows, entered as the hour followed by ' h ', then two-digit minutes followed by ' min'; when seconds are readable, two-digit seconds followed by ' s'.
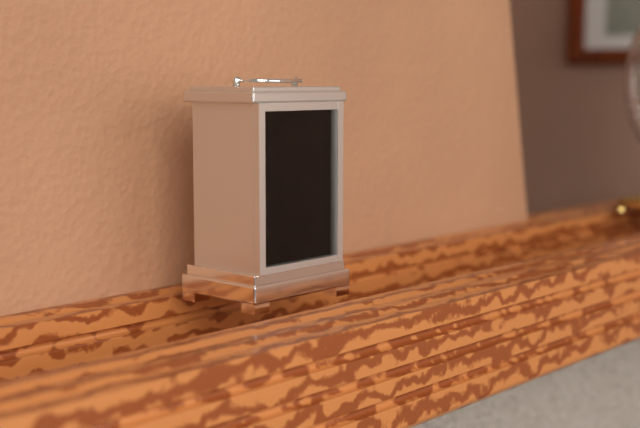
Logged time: 10 h 38 min
